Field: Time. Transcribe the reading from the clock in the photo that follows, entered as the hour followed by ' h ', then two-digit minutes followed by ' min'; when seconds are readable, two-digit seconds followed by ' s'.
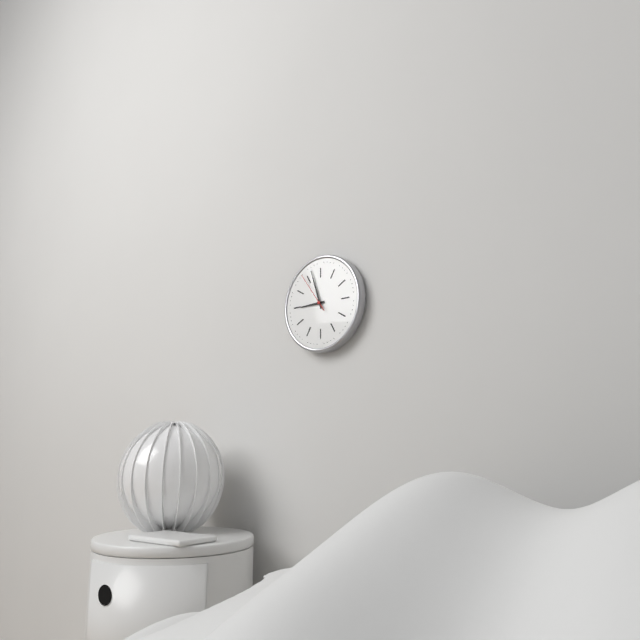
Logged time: 8 h 57 min
